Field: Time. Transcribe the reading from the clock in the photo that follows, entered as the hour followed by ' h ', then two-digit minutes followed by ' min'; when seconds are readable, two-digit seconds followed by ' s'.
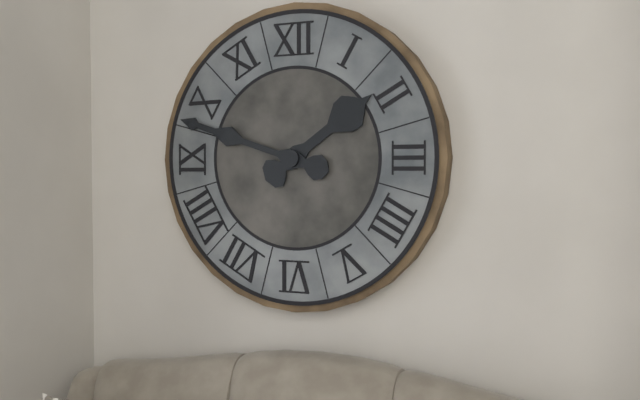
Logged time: 1 h 48 min
